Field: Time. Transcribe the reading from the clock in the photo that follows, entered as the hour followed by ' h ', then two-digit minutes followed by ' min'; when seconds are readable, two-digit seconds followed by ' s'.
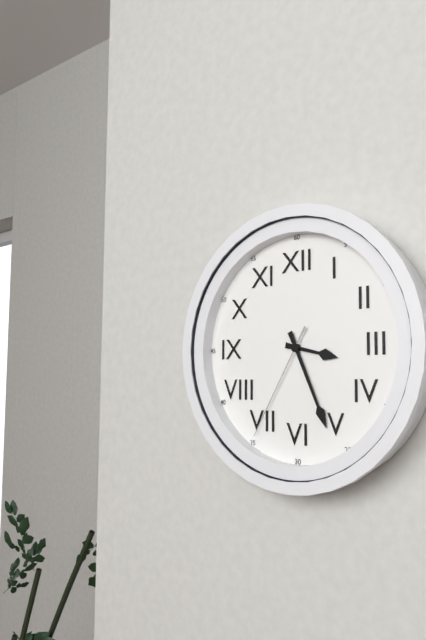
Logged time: 3 h 26 min 35 s
